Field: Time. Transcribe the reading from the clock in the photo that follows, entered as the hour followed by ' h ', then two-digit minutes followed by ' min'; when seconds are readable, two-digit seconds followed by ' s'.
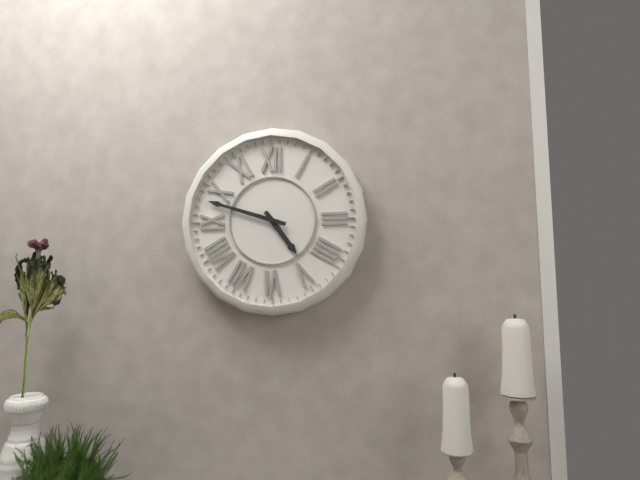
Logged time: 4 h 48 min
